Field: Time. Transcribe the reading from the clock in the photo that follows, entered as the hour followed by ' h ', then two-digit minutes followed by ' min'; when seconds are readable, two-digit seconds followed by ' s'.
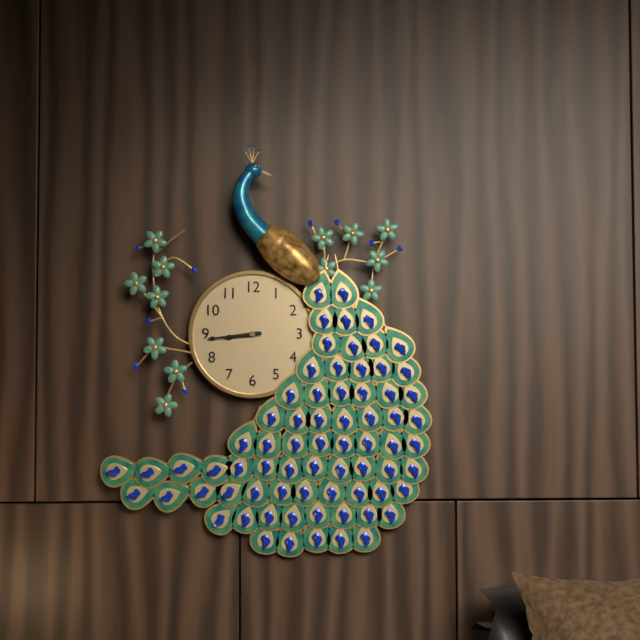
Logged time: 8 h 44 min
